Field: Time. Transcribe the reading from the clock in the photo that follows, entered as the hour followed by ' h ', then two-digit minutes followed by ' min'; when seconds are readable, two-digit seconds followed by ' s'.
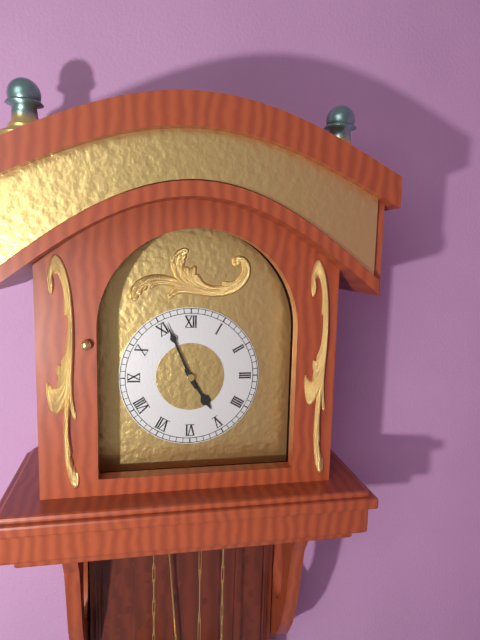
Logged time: 4 h 56 min
